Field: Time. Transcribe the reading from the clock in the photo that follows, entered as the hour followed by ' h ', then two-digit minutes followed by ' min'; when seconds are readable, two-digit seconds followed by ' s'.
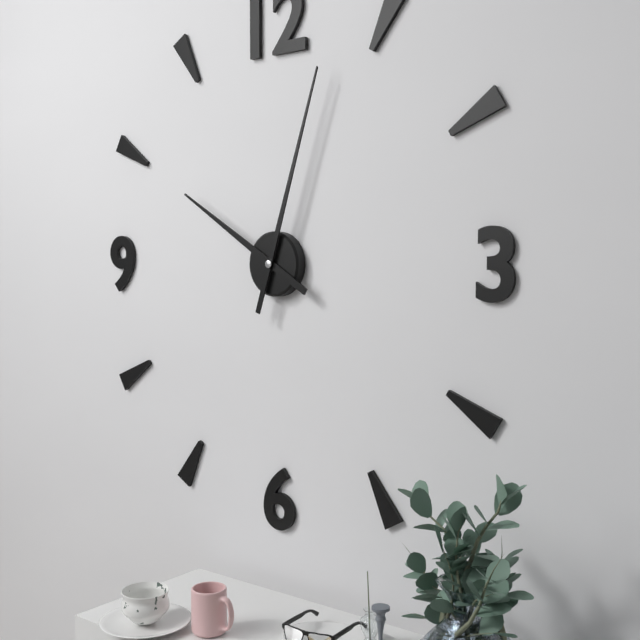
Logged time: 10 h 03 min
